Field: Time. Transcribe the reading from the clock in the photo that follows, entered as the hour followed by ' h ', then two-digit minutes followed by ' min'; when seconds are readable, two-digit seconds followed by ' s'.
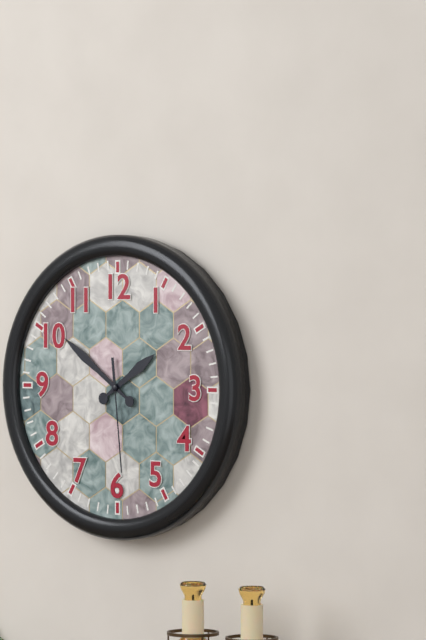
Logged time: 1 h 51 min 29 s
